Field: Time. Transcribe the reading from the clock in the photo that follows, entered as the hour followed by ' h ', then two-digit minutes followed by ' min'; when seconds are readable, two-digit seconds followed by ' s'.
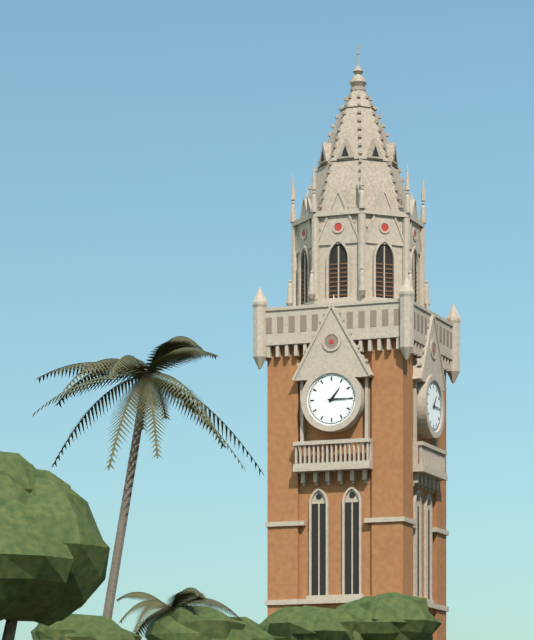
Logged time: 1 h 15 min
